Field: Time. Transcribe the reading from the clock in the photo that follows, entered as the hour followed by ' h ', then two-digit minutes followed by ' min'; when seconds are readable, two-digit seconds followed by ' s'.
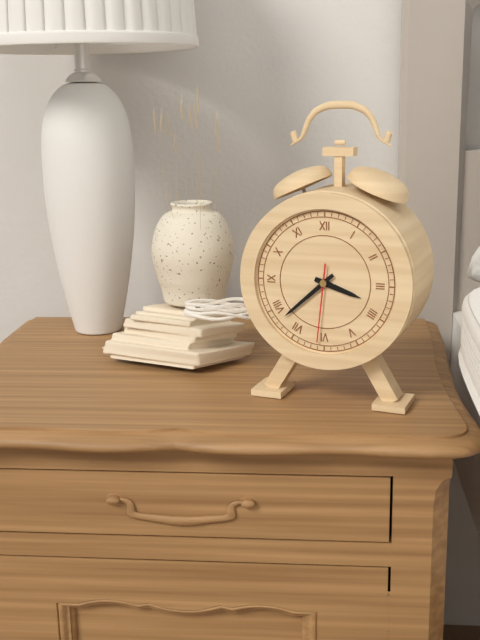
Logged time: 3 h 38 min 31 s
